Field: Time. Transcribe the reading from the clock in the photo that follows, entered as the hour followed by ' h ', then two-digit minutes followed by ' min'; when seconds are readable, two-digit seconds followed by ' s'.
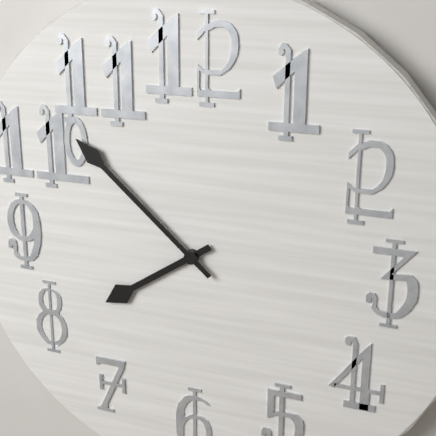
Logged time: 7 h 52 min
